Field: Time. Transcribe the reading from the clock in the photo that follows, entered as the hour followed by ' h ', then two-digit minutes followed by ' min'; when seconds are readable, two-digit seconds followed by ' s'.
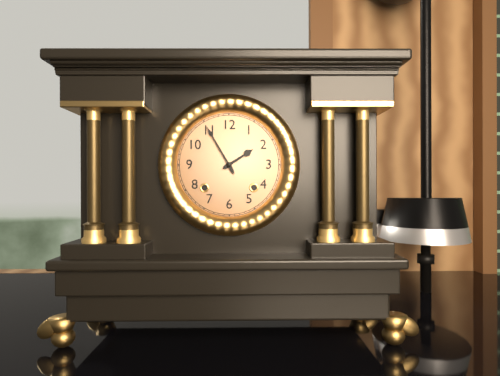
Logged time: 1 h 55 min
